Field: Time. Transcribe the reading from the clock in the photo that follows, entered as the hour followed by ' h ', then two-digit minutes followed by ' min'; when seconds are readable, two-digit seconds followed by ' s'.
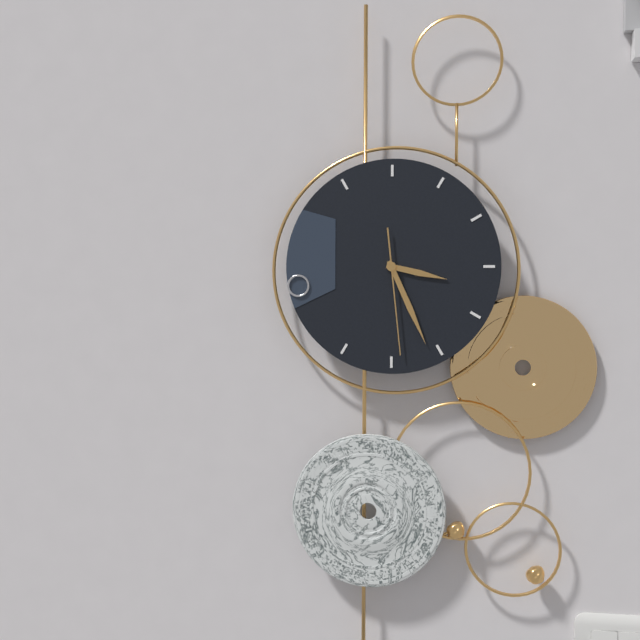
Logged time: 3 h 26 min 29 s
